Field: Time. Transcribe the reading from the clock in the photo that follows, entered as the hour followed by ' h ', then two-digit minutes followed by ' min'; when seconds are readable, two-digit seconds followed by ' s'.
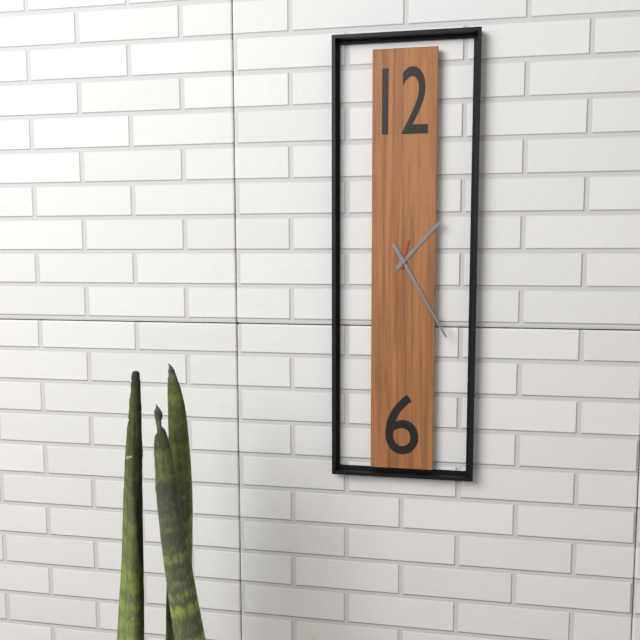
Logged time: 1 h 25 min
